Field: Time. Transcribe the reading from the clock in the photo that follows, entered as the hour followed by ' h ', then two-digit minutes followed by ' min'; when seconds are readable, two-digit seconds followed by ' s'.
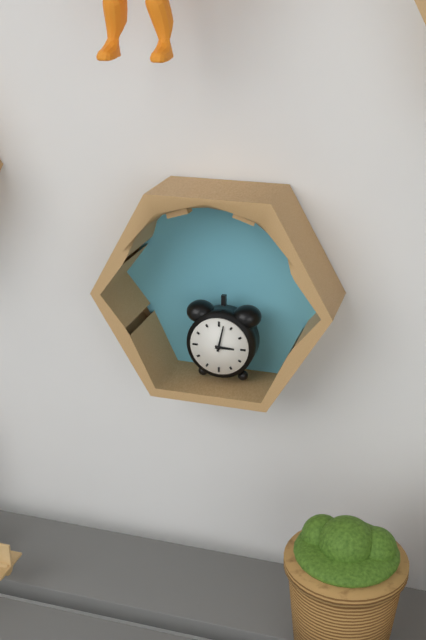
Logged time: 3 h 02 min
